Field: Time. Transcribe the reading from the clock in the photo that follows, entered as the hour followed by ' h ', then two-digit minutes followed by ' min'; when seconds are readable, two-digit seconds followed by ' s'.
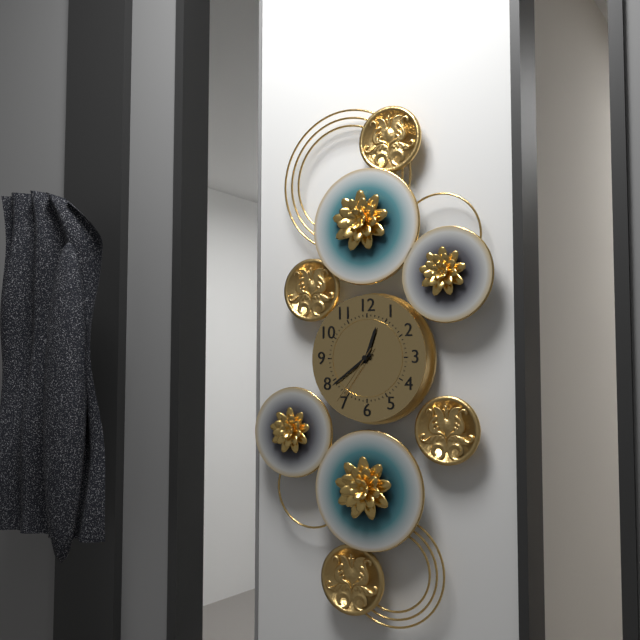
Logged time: 12 h 39 min 36 s
